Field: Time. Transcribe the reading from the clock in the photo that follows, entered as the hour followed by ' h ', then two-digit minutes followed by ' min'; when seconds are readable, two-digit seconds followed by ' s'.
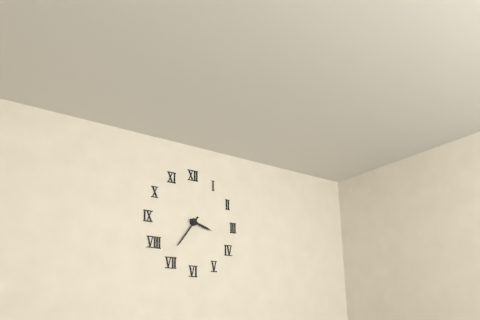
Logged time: 3 h 36 min
